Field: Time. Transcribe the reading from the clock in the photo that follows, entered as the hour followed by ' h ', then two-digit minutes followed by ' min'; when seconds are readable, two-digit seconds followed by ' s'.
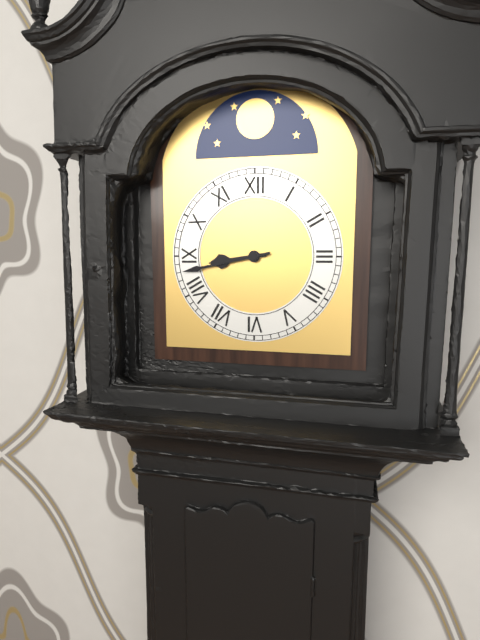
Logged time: 8 h 43 min
